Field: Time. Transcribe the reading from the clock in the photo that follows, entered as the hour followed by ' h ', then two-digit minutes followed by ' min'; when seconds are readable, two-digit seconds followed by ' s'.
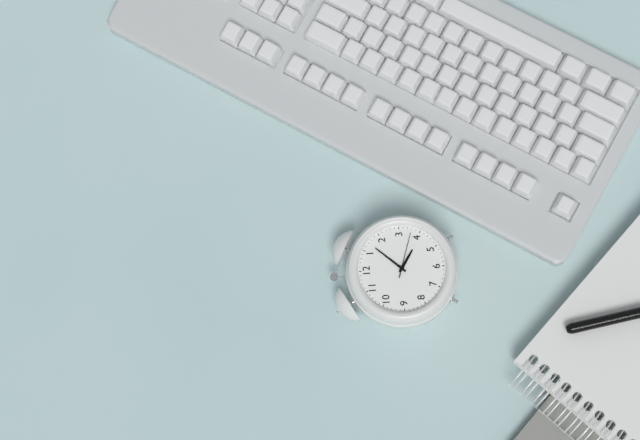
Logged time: 4 h 07 min
